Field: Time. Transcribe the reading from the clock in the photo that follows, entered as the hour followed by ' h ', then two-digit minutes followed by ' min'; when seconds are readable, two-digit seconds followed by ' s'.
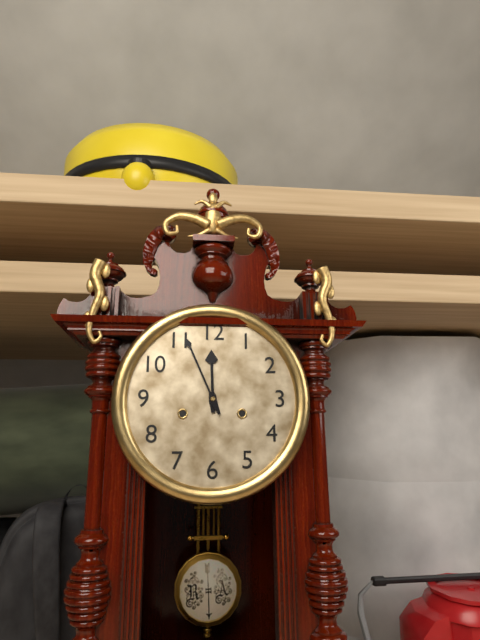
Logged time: 11 h 56 min
